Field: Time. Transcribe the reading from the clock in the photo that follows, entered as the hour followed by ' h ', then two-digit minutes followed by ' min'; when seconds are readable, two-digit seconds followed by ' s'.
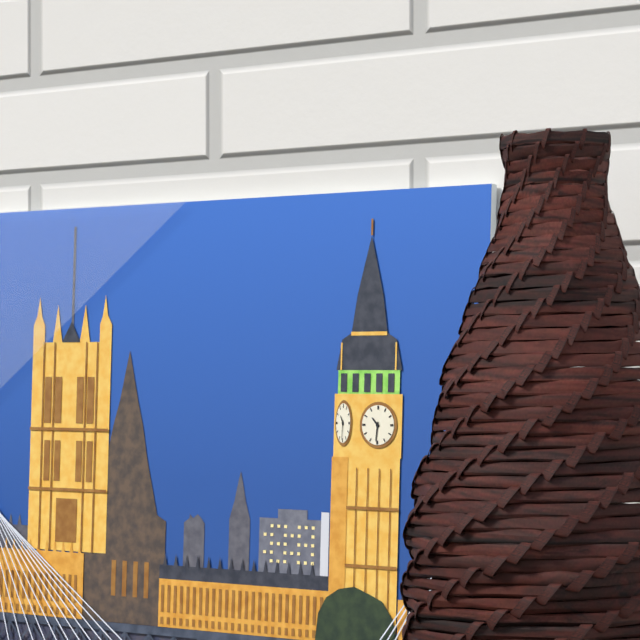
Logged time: 10 h 31 min
